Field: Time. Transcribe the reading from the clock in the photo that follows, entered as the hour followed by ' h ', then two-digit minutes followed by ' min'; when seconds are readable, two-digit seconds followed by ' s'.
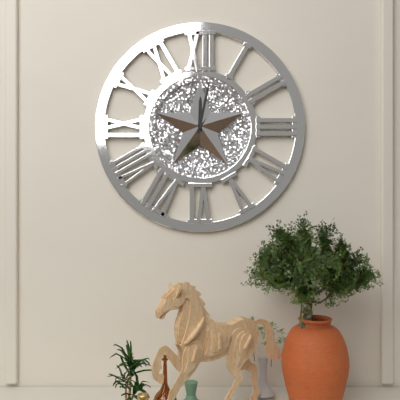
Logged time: 12 h 02 min
